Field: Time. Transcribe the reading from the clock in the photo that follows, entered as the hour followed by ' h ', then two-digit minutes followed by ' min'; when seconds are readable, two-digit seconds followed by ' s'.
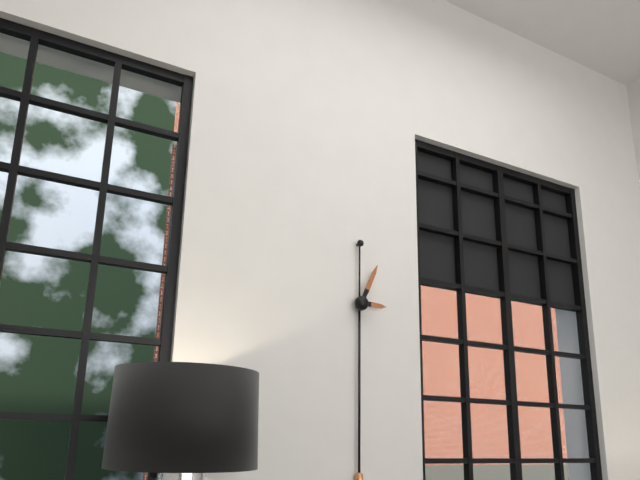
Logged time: 3 h 04 min
